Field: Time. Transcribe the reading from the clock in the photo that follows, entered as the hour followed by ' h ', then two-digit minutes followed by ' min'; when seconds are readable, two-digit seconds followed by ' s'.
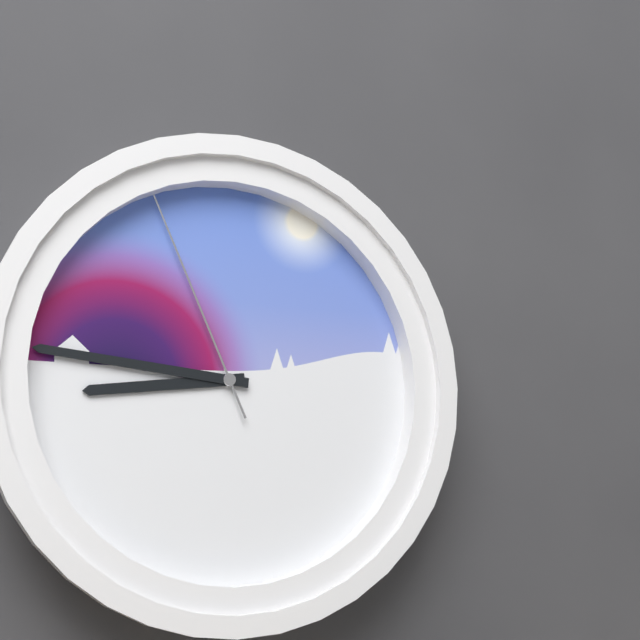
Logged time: 8 h 46 min 56 s
